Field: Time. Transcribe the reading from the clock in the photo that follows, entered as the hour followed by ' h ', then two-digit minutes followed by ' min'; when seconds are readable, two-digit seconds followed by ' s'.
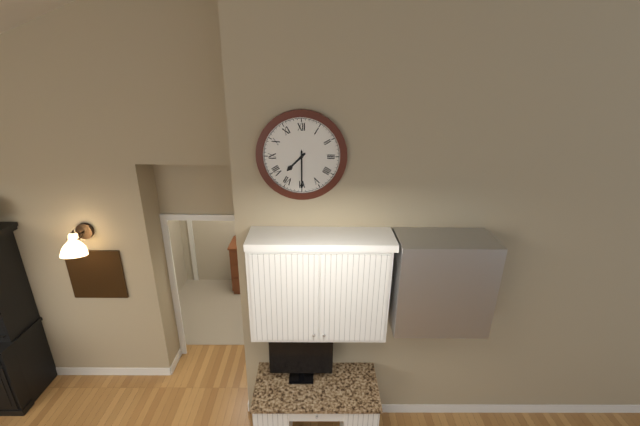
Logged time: 7 h 30 min
